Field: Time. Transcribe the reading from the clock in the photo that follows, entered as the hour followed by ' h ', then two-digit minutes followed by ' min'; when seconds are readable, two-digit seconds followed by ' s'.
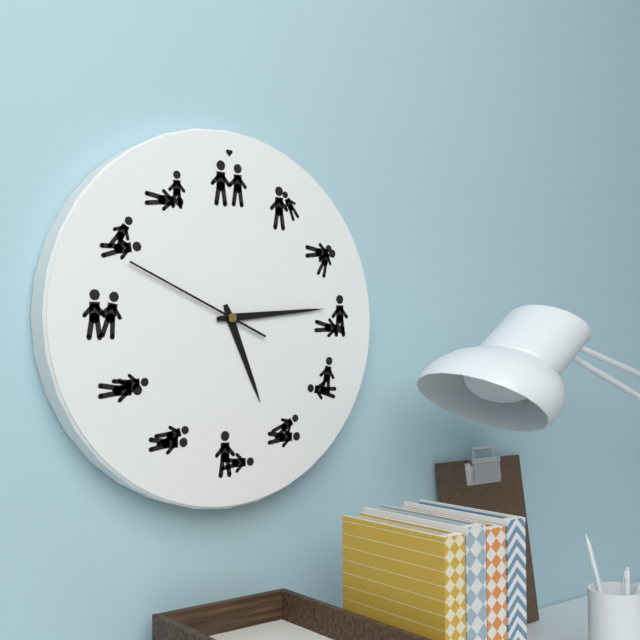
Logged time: 5 h 14 min 49 s
